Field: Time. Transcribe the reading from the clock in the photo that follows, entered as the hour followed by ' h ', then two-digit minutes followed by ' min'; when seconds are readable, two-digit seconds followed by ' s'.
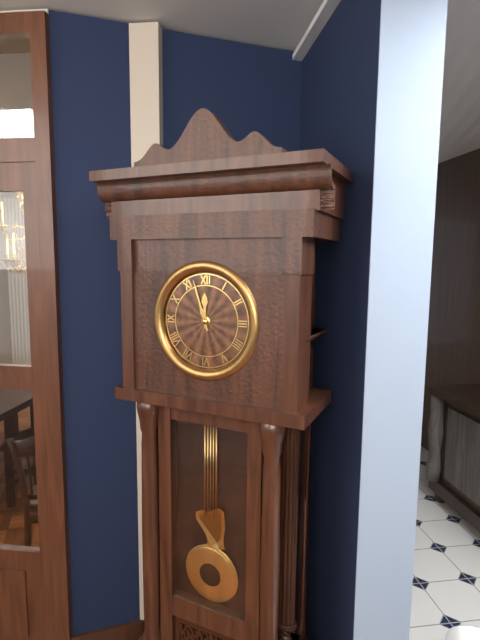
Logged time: 11 h 57 min
